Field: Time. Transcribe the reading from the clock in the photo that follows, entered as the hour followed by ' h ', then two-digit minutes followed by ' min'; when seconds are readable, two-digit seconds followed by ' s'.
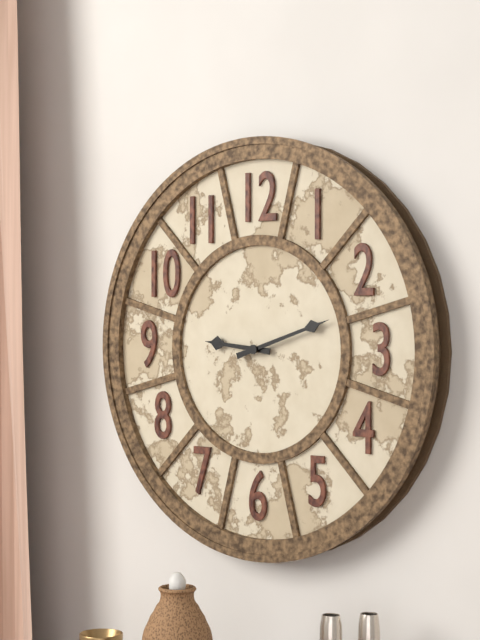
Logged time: 9 h 12 min
